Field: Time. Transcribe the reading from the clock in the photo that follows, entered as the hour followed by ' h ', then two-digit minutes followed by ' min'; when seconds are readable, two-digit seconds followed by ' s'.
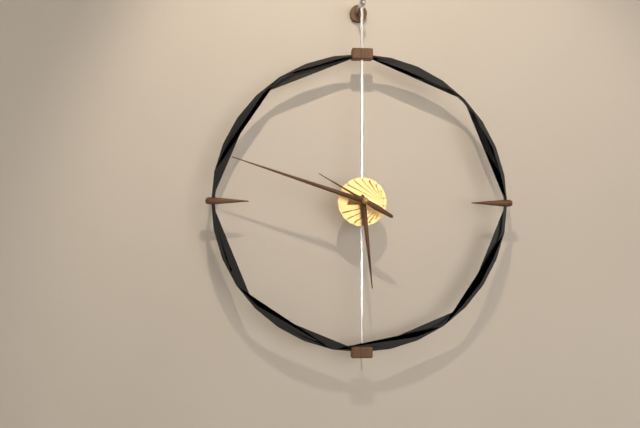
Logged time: 5 h 48 min 50 s
